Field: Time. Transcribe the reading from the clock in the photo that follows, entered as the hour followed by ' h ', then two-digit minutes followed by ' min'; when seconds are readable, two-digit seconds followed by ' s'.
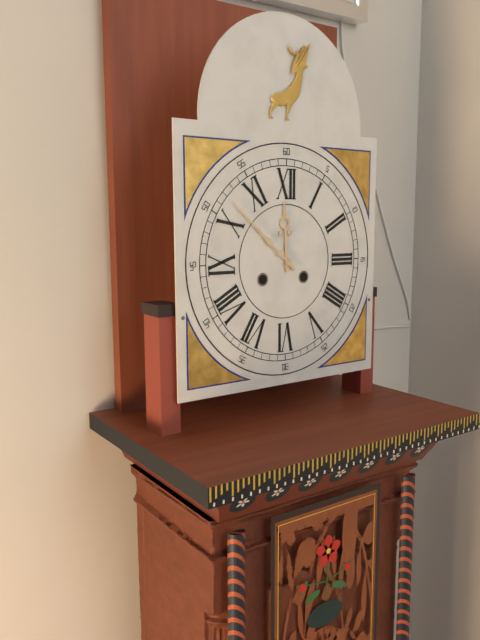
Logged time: 11 h 52 min
